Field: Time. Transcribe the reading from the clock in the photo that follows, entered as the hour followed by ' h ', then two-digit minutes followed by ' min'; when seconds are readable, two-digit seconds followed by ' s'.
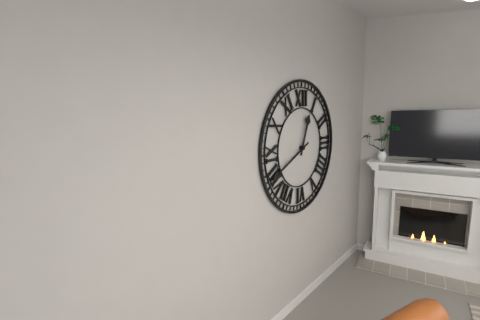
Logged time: 12 h 41 min
